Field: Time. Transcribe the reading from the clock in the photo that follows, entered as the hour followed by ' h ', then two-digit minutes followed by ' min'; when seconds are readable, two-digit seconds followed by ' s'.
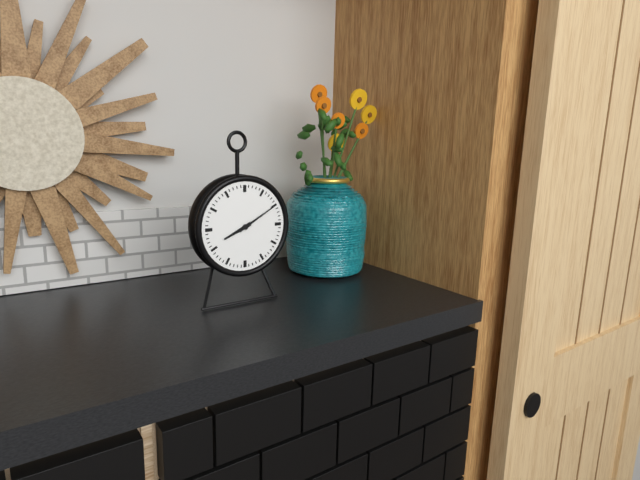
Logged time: 8 h 10 min
